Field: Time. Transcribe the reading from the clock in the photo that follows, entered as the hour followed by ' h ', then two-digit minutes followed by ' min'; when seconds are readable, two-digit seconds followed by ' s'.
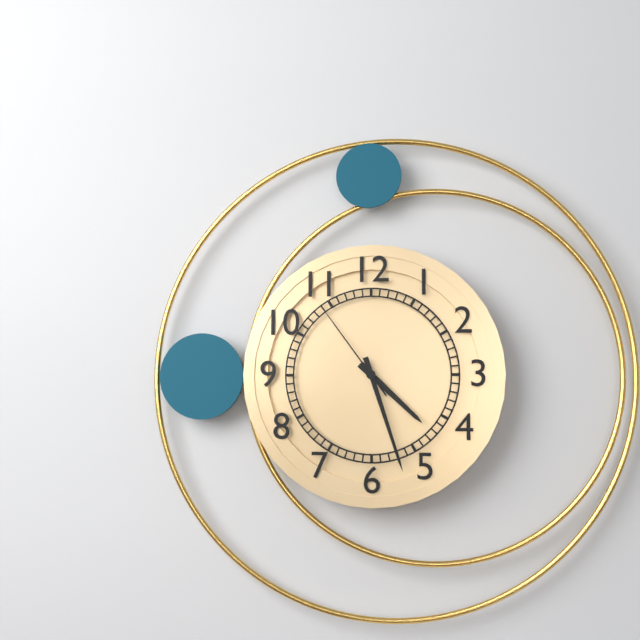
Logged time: 4 h 27 min 54 s
